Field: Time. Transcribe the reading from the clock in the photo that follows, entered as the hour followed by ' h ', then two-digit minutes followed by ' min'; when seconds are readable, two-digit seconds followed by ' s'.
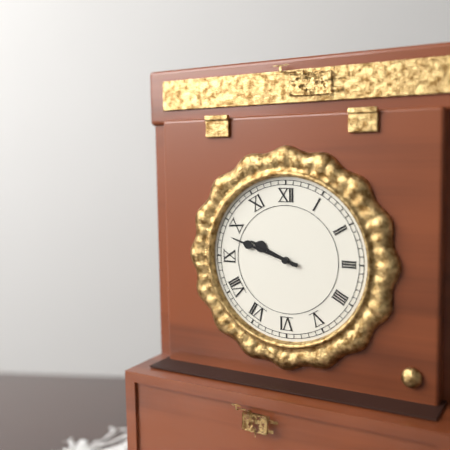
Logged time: 9 h 48 min
